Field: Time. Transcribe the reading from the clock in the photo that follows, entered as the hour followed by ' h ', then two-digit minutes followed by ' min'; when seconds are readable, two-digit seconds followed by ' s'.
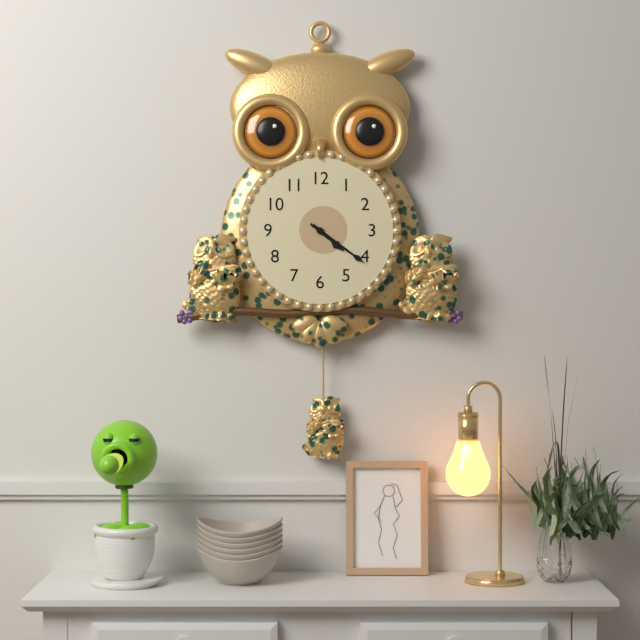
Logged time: 4 h 21 min
